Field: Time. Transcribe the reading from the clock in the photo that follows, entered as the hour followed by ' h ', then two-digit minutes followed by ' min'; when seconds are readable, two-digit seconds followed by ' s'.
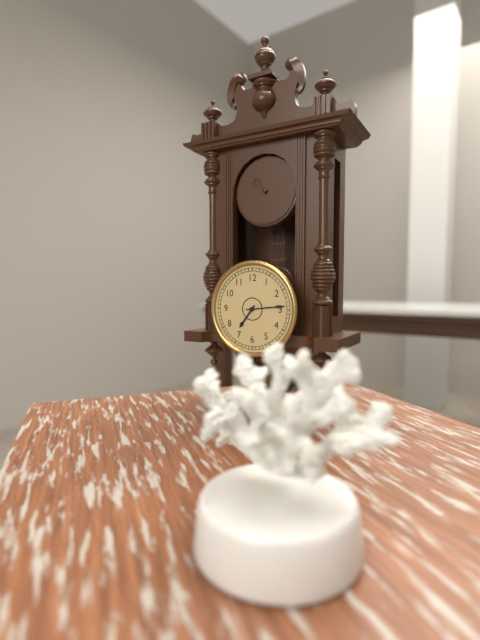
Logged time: 7 h 14 min
